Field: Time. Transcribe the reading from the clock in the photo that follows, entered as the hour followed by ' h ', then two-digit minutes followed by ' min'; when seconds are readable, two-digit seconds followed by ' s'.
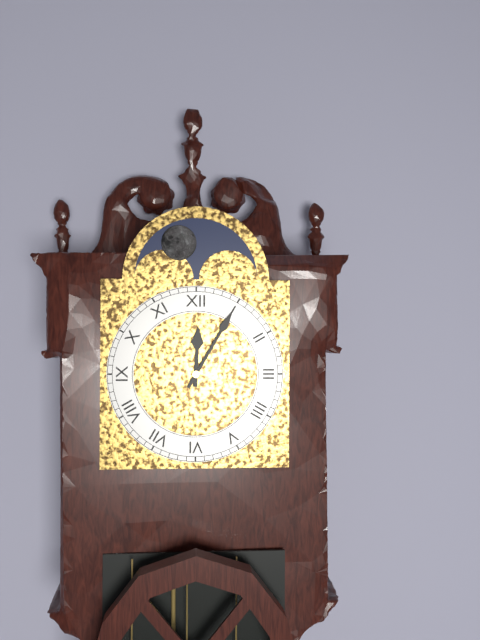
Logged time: 12 h 05 min
